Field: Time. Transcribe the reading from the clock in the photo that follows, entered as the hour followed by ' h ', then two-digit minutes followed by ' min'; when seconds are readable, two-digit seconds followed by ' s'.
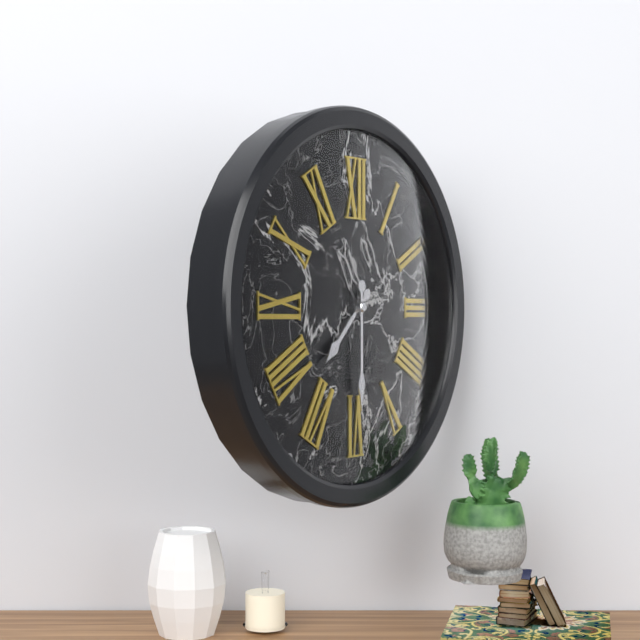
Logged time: 7 h 30 min
